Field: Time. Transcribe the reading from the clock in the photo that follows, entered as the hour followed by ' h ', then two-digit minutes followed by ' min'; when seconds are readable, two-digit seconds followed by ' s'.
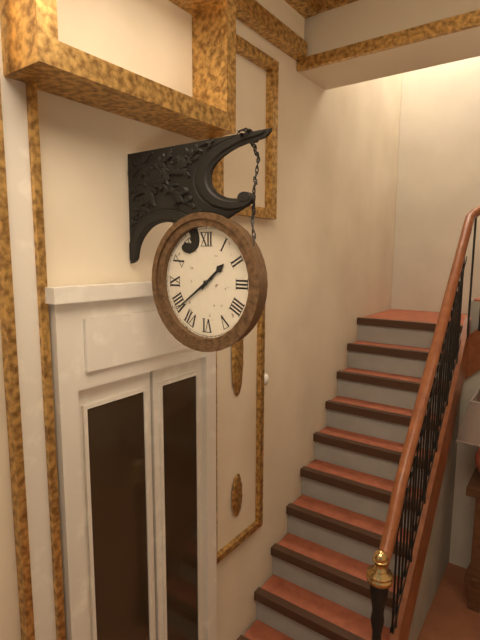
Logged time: 1 h 39 min
